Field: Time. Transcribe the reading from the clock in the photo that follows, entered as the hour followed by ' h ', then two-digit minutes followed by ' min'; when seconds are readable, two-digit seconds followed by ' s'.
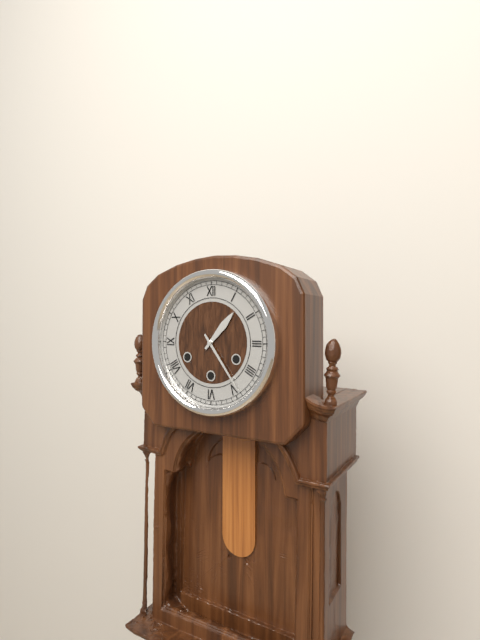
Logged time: 1 h 24 min
